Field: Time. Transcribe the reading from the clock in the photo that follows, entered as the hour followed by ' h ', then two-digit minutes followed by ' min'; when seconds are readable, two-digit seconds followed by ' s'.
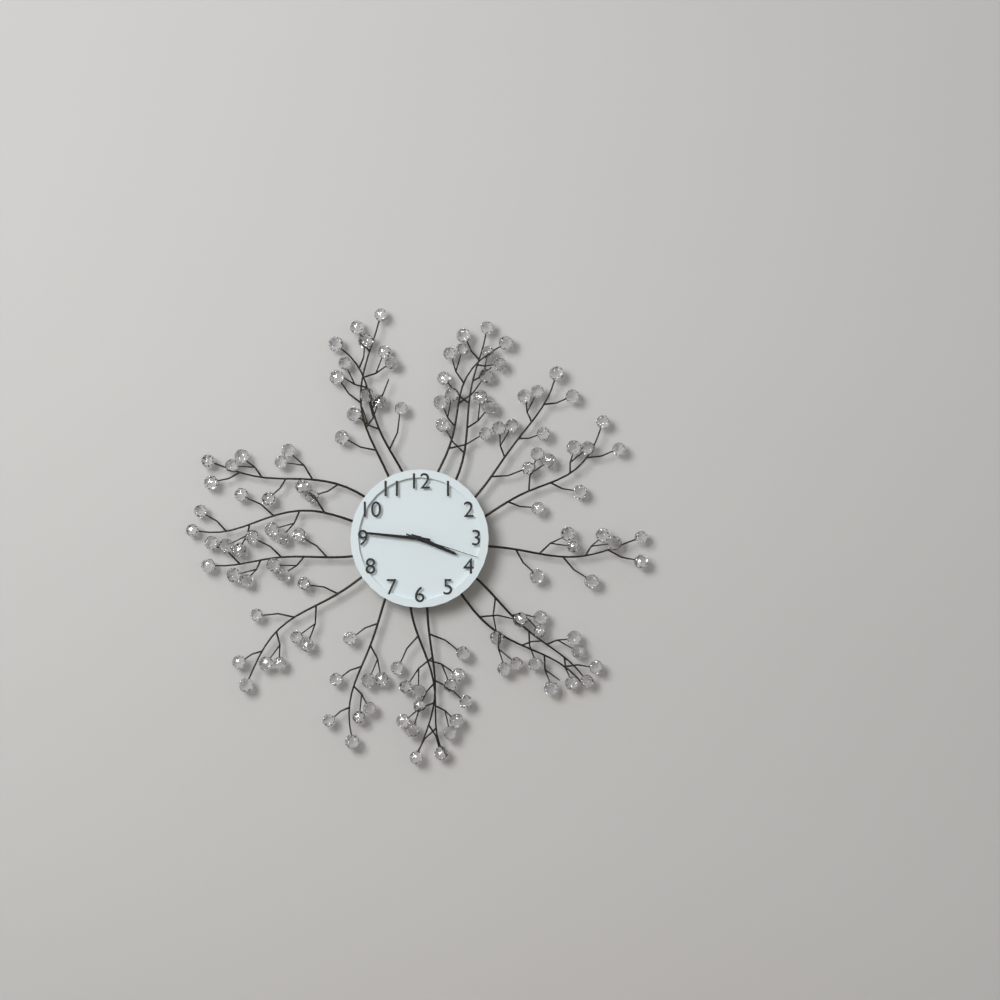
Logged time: 3 h 46 min 18 s
